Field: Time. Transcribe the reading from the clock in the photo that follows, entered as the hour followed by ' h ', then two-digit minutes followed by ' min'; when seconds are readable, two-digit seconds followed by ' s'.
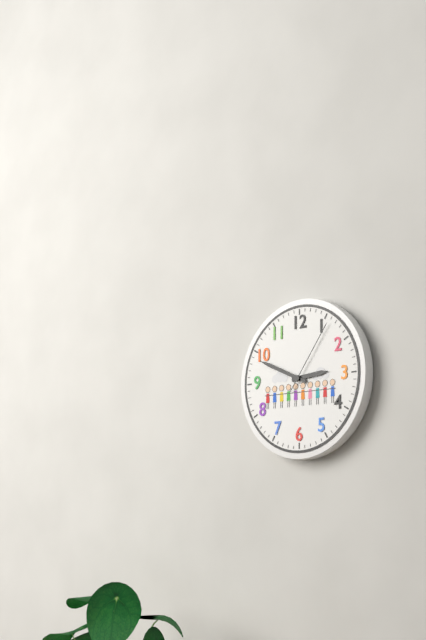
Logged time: 2 h 49 min 06 s
